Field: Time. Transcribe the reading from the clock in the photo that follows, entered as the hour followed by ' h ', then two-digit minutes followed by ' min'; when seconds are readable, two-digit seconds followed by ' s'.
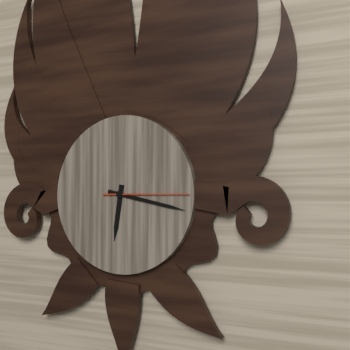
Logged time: 6 h 17 min 15 s
